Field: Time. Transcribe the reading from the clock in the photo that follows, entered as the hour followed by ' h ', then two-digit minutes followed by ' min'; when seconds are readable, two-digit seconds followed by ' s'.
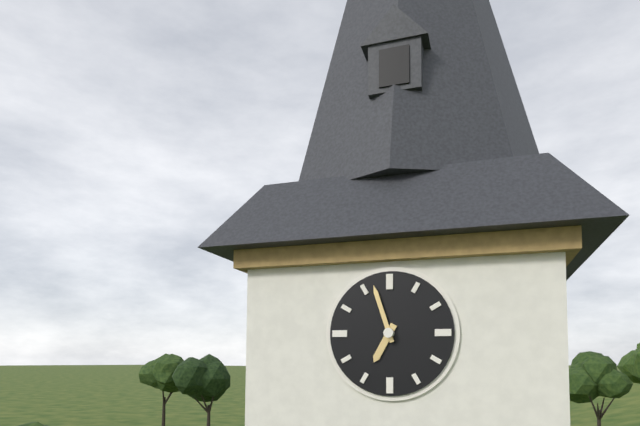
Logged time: 6 h 57 min
